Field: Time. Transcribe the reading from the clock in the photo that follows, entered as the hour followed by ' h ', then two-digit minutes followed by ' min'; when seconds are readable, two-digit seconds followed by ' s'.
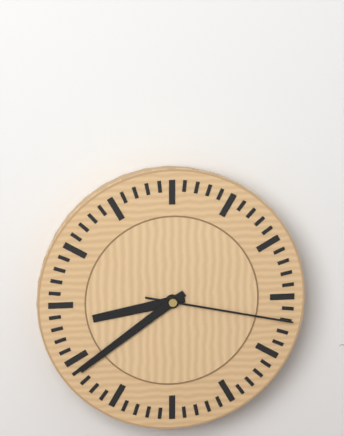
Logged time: 8 h 39 min 17 s
